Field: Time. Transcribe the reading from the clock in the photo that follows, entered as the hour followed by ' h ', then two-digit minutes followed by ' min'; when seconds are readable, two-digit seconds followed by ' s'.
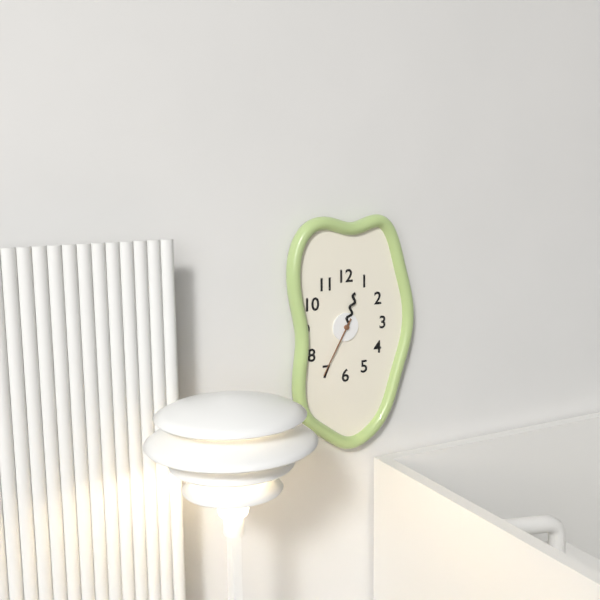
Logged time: 12 h 35 min
